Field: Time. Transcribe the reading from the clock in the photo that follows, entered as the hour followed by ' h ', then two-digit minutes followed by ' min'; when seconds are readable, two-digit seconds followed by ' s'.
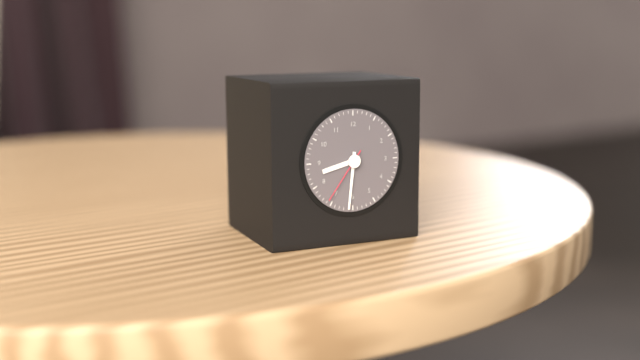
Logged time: 8 h 31 min 36 s
